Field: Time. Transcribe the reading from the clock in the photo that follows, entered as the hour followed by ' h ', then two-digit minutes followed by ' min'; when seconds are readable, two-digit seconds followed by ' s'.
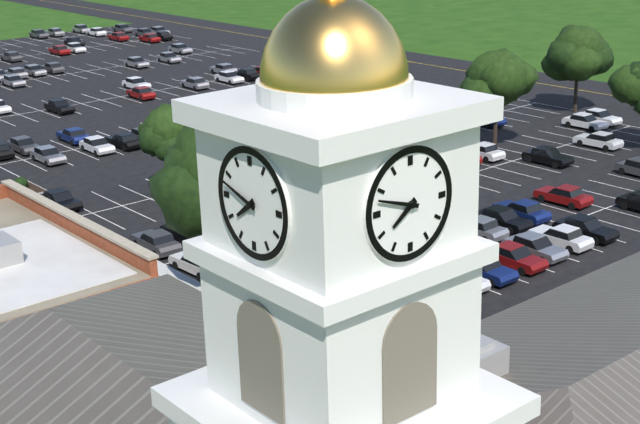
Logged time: 7 h 48 min
